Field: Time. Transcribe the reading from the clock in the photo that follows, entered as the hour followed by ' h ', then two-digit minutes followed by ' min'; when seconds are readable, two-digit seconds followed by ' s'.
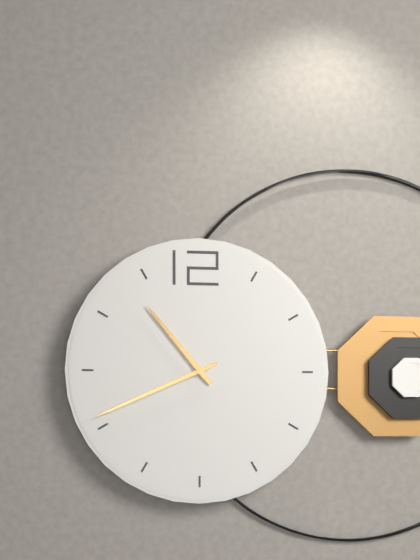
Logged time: 10 h 41 min
